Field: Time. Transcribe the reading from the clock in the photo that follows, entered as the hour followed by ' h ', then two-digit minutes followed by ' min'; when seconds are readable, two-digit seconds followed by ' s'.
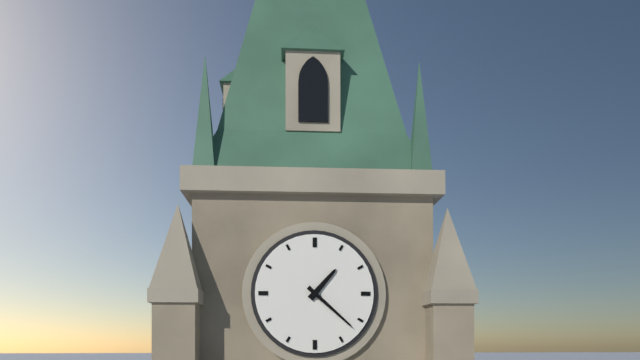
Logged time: 1 h 22 min
